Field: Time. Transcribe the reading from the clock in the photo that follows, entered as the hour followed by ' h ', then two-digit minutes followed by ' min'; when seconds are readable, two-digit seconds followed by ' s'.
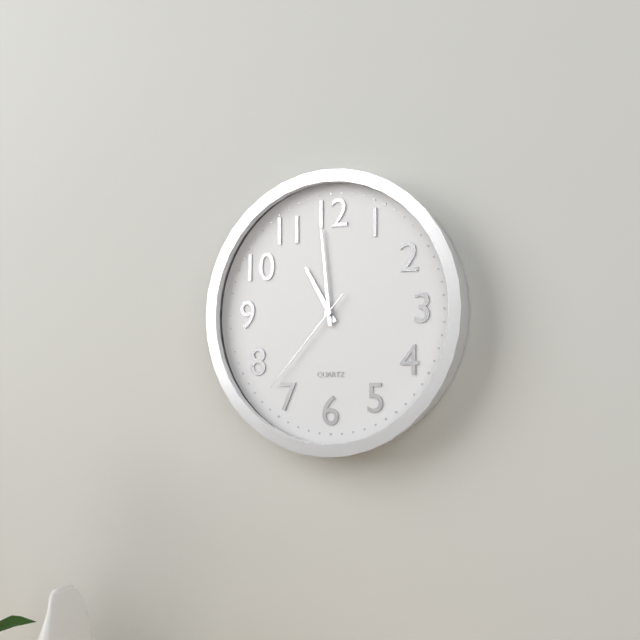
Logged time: 10 h 59 min 37 s
